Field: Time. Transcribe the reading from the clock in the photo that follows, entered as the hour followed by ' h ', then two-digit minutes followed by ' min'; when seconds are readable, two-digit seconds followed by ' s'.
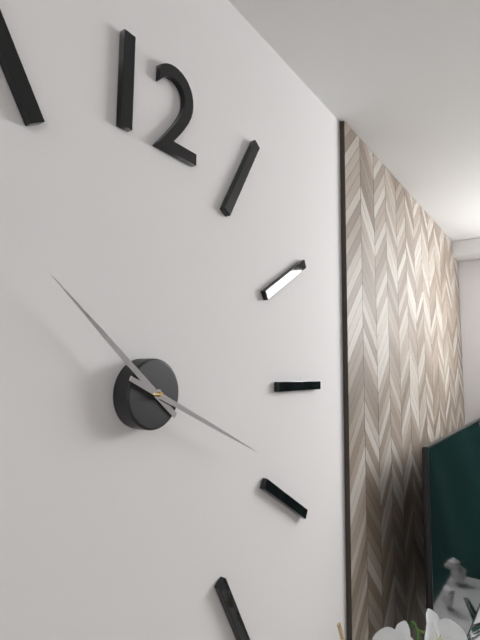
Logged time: 10 h 19 min
